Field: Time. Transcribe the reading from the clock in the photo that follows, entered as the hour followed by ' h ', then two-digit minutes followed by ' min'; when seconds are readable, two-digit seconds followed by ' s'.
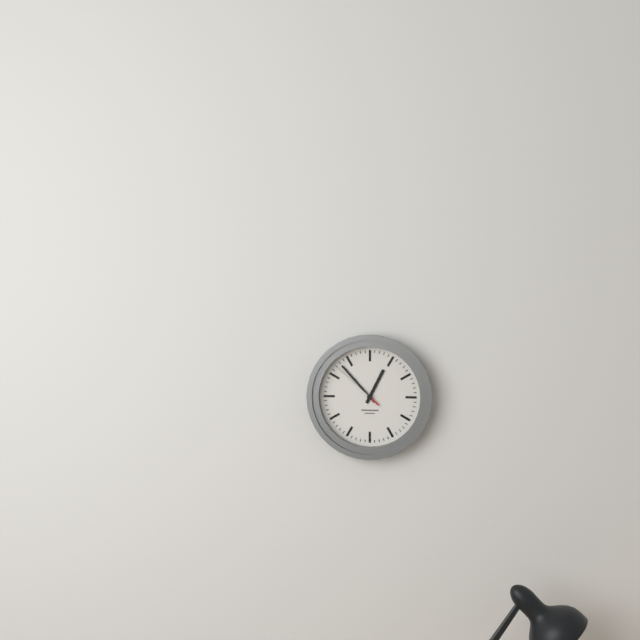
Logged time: 12 h 53 min 52 s
